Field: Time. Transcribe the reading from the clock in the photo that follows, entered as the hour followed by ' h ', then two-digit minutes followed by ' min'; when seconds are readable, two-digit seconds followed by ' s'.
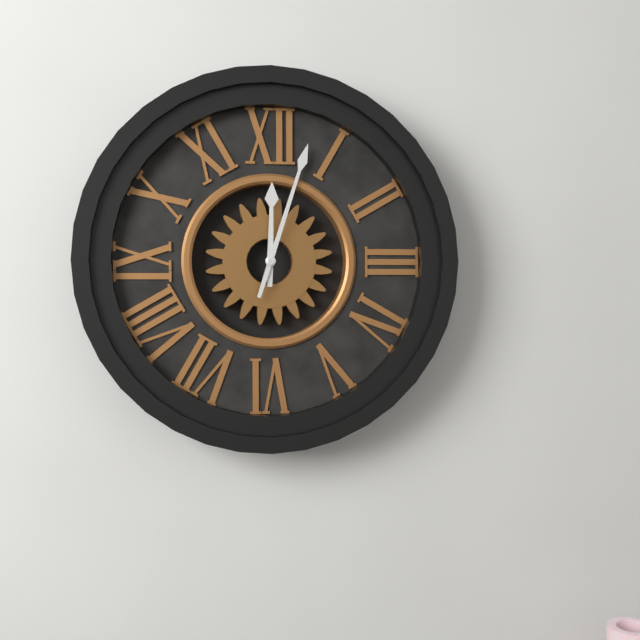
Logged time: 12 h 03 min
